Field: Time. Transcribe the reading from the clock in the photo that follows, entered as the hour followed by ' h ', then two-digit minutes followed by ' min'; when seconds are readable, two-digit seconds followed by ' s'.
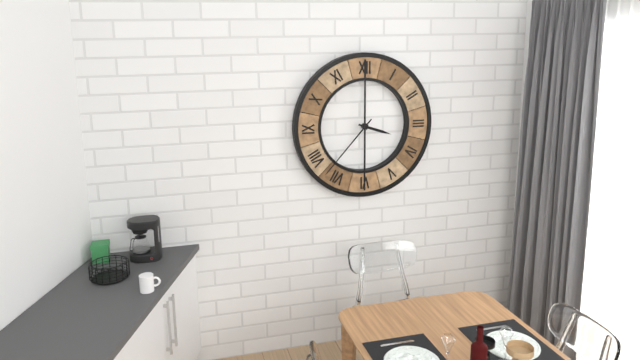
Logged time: 3 h 37 min
